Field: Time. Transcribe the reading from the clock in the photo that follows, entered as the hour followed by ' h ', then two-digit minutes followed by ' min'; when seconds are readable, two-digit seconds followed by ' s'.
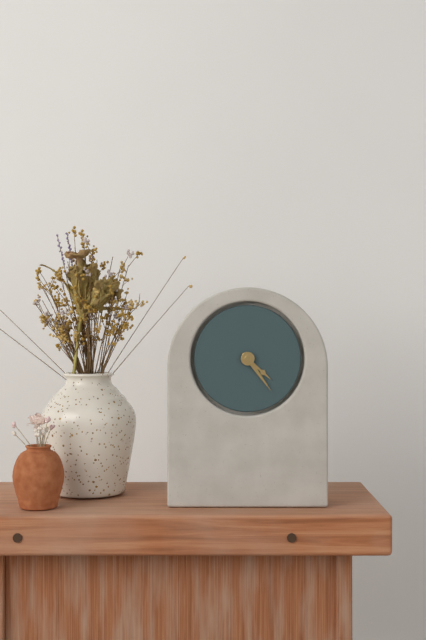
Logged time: 4 h 24 min
